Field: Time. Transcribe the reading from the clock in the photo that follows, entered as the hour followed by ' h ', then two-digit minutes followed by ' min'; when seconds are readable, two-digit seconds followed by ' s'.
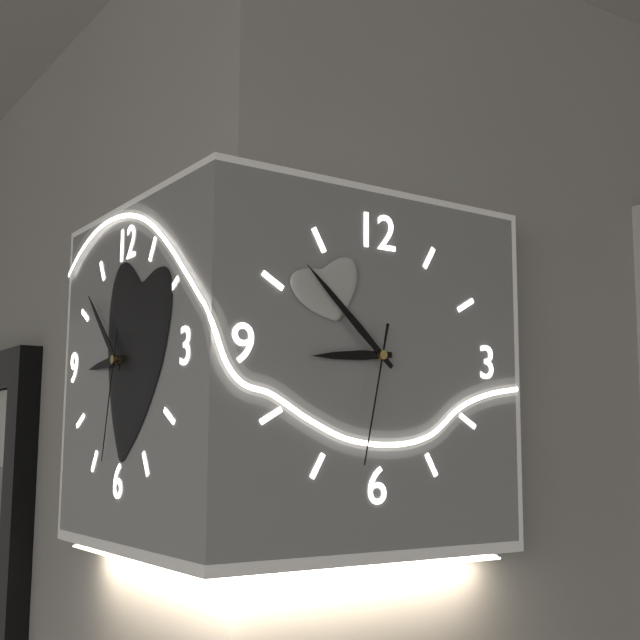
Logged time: 8 h 52 min 32 s
